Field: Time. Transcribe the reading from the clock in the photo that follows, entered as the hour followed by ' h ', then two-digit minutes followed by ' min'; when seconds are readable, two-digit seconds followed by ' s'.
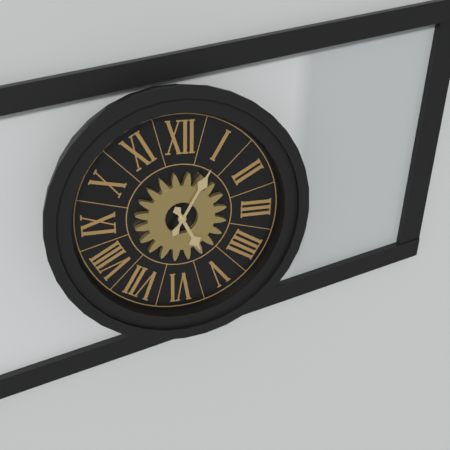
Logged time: 5 h 05 min
